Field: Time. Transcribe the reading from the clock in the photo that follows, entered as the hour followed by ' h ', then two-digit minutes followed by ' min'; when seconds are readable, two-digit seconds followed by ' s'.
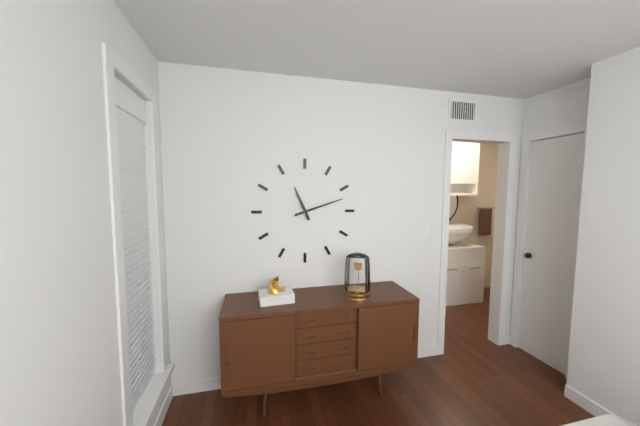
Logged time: 11 h 12 min
